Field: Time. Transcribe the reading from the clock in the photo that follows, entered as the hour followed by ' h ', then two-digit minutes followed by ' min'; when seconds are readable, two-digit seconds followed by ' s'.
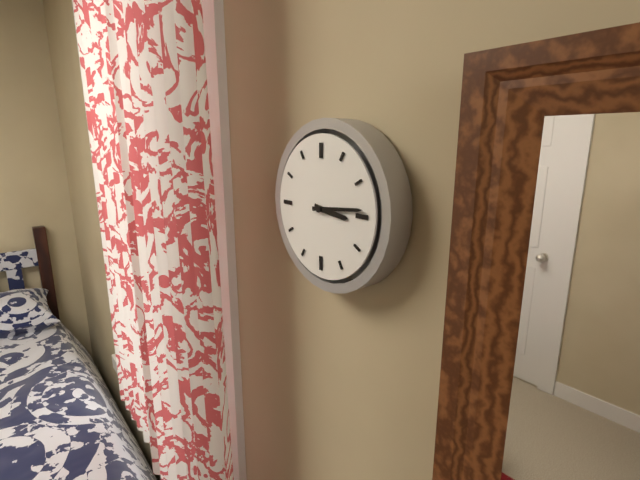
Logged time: 3 h 14 min
